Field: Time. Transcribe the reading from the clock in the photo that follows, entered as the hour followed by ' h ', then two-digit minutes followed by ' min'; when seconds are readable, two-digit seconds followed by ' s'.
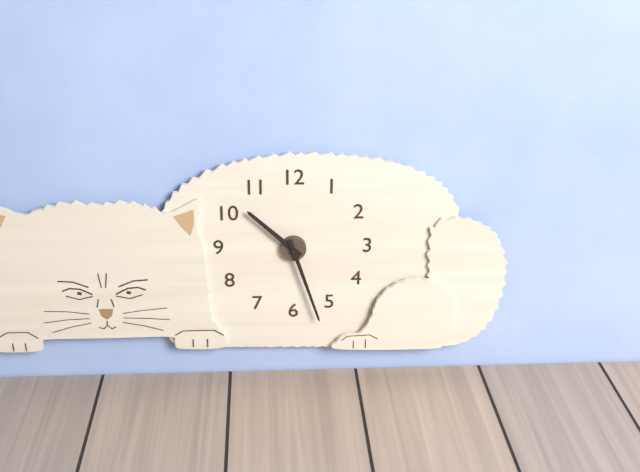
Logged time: 10 h 27 min
